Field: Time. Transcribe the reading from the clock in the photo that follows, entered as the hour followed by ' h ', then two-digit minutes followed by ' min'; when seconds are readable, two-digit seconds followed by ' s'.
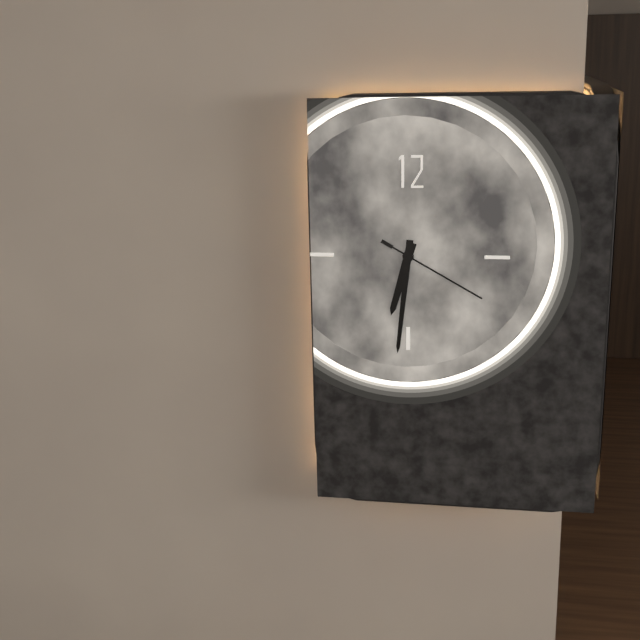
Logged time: 6 h 31 min 20 s
